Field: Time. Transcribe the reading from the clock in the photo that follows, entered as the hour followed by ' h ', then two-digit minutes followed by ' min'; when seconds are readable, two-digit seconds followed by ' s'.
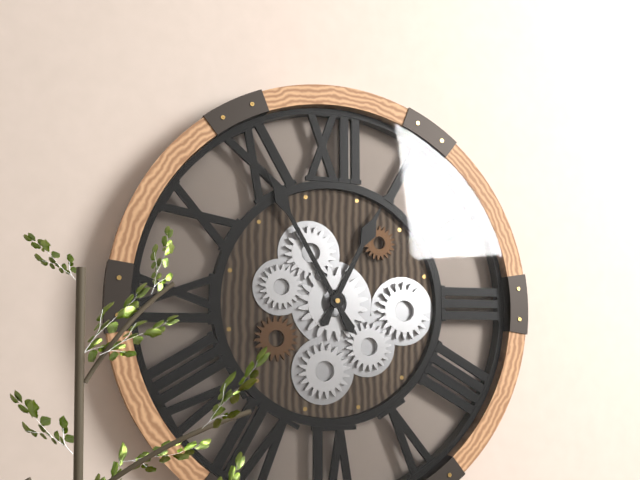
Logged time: 12 h 55 min
